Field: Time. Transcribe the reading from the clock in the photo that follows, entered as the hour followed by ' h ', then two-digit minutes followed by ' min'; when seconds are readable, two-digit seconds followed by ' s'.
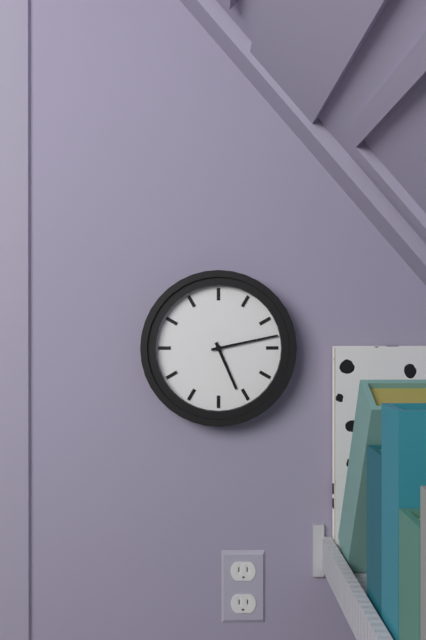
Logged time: 5 h 13 min
